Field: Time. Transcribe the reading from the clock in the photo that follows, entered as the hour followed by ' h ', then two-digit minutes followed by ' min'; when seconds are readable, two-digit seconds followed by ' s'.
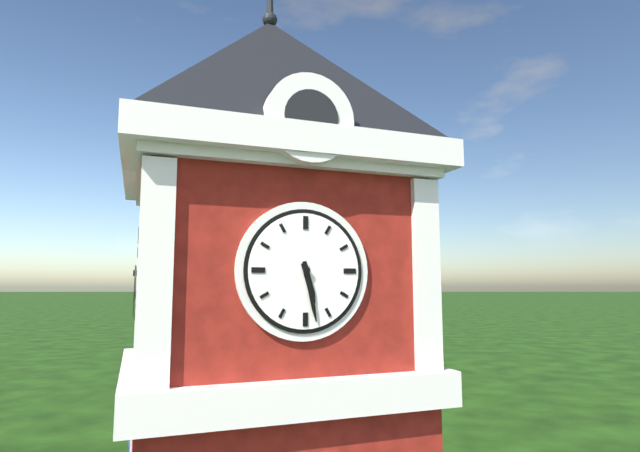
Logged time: 5 h 28 min
